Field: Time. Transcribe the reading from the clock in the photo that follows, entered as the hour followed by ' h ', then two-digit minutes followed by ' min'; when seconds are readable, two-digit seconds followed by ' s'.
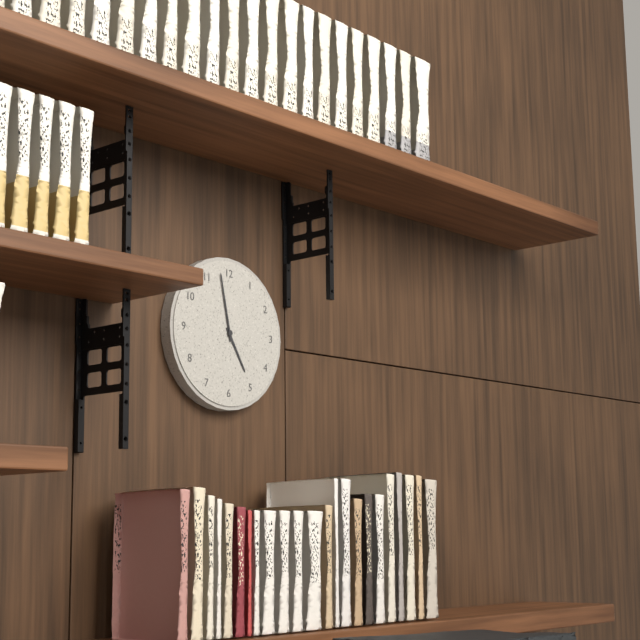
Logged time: 4 h 58 min
